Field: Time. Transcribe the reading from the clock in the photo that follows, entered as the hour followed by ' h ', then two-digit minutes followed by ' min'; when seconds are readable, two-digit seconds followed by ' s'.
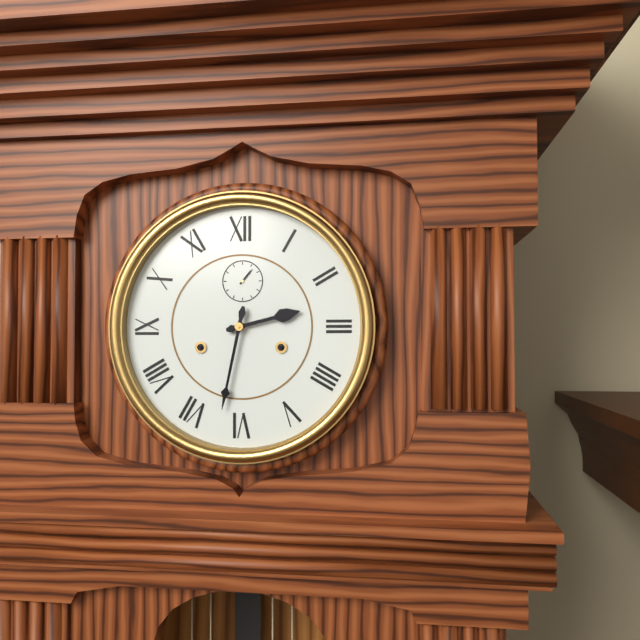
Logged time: 2 h 32 min
